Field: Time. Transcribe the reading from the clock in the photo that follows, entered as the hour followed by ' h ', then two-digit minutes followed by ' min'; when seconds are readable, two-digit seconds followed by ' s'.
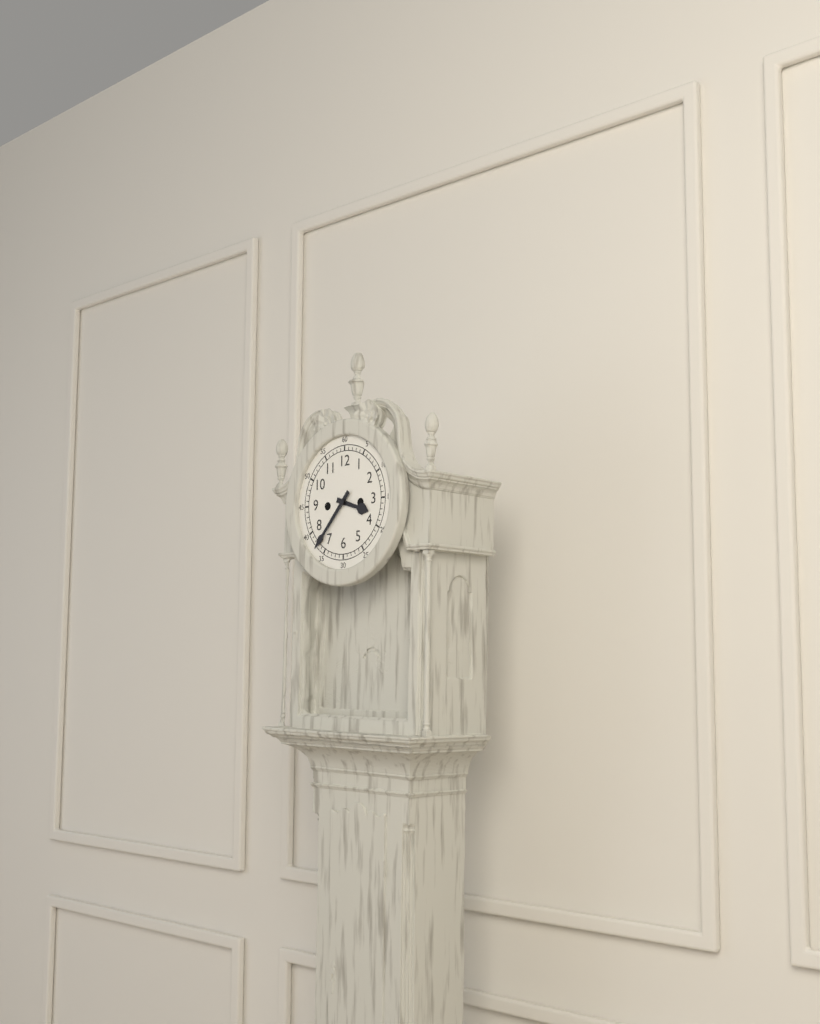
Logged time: 3 h 37 min
